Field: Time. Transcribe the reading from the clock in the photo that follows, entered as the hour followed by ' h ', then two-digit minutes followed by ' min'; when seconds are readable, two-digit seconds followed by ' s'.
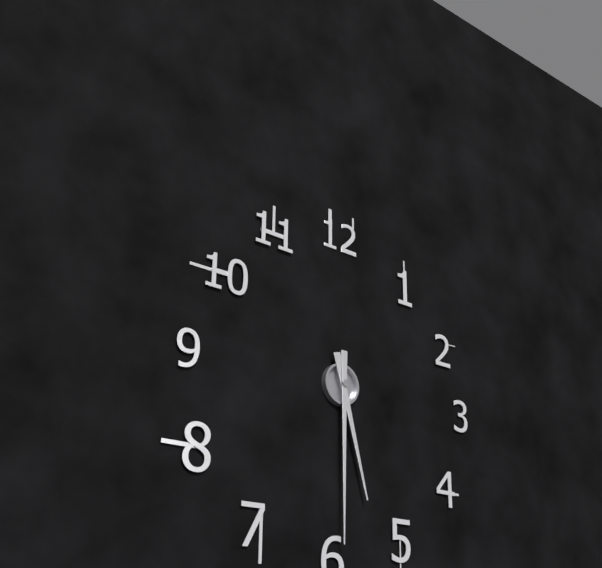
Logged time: 5 h 30 min
